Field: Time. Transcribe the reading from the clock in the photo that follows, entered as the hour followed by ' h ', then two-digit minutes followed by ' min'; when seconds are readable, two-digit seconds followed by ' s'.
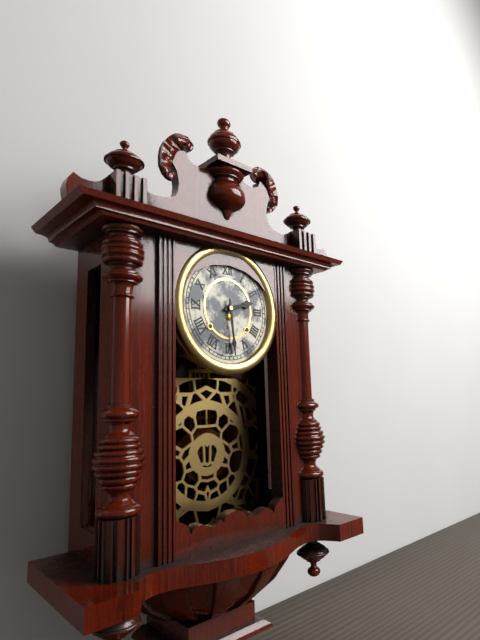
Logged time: 2 h 29 min
